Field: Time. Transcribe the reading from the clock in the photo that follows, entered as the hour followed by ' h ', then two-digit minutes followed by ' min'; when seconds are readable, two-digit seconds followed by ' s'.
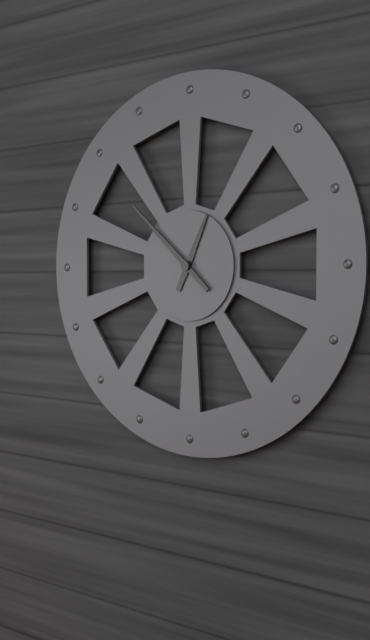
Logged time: 12 h 52 min
